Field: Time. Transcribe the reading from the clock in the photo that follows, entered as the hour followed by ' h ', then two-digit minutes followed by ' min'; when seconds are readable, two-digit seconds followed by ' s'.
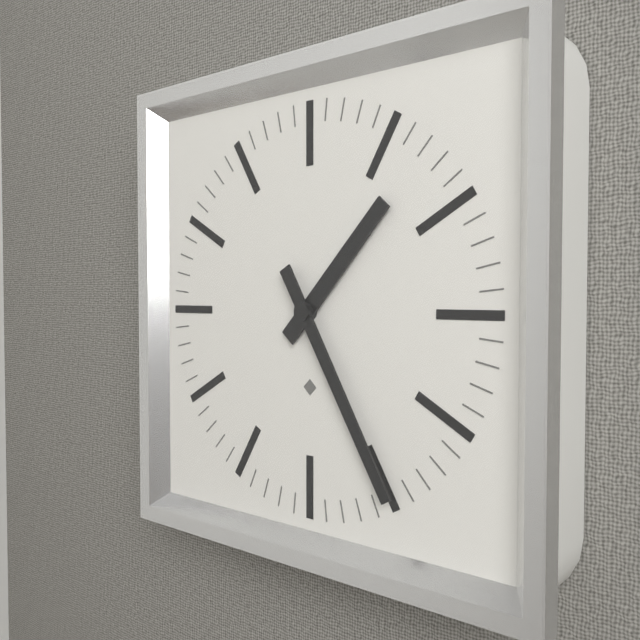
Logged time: 1 h 25 min
